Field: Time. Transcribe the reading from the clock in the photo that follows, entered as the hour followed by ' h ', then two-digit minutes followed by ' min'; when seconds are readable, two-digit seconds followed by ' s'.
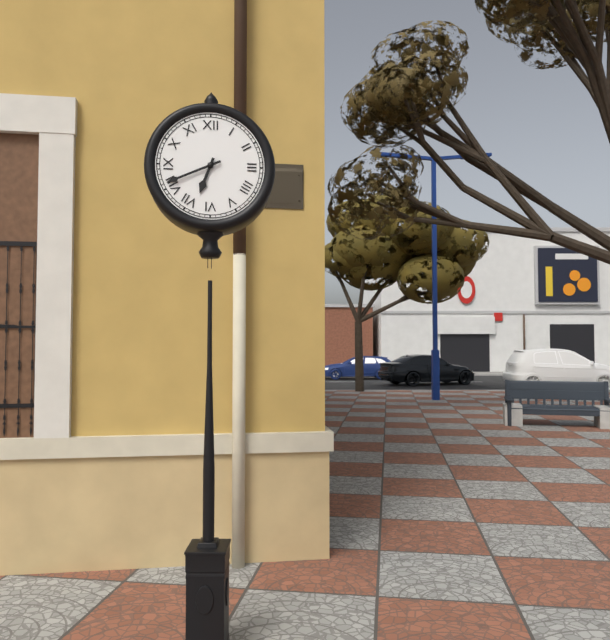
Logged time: 6 h 41 min
